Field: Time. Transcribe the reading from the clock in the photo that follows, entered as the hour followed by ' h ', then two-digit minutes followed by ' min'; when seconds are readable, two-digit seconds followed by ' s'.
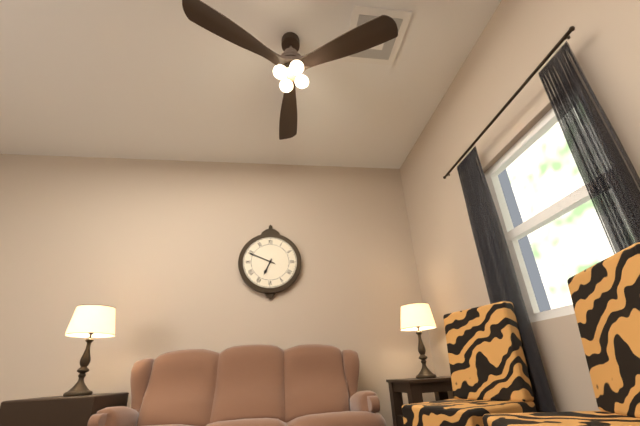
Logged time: 6 h 49 min
